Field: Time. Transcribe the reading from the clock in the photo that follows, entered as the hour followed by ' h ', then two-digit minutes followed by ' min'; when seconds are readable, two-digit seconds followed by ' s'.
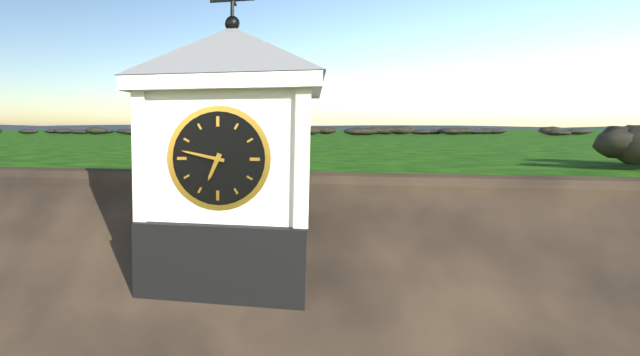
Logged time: 6 h 47 min
